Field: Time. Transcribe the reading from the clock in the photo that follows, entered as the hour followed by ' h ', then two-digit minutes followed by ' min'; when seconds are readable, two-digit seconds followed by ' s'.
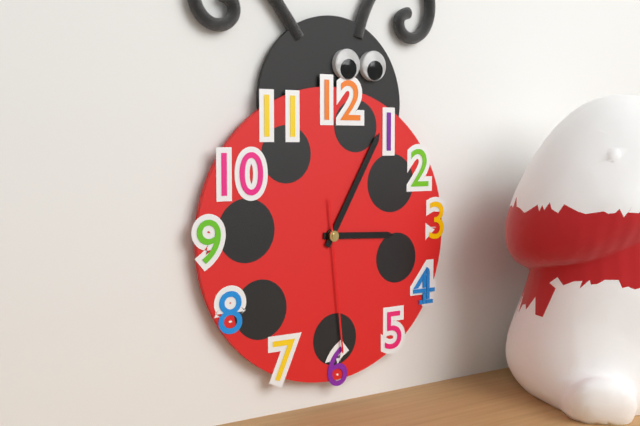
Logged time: 3 h 05 min 29 s
